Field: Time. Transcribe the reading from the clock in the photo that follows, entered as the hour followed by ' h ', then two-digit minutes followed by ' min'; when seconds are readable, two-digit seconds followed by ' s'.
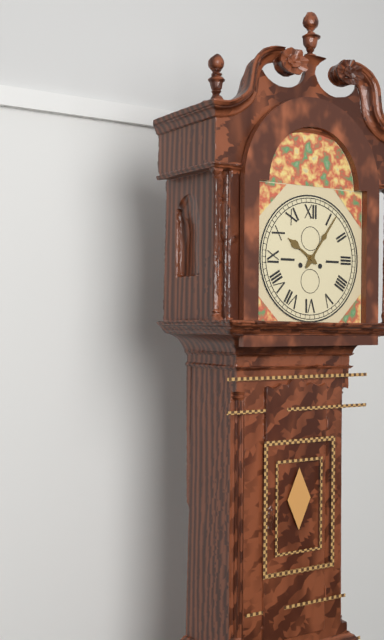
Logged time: 10 h 06 min
